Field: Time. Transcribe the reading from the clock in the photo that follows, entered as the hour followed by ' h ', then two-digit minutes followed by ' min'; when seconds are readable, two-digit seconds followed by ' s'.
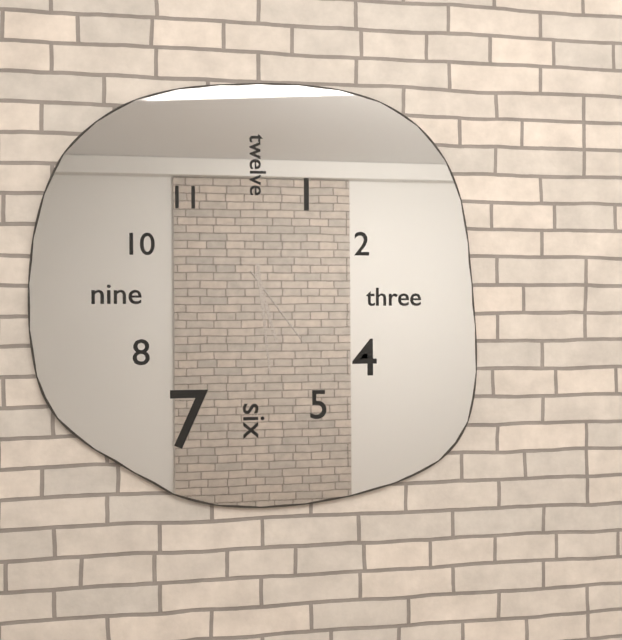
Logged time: 5 h 29 min 24 s
